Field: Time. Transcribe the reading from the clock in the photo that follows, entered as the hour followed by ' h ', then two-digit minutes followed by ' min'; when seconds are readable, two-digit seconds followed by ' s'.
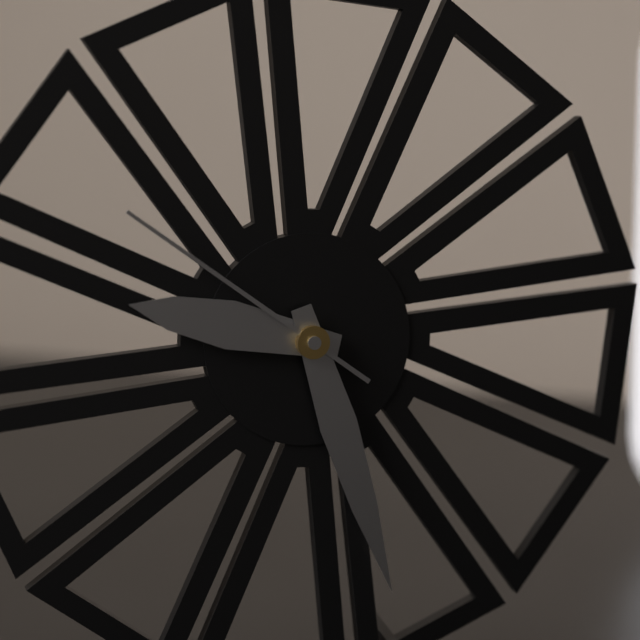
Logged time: 9 h 27 min 51 s
